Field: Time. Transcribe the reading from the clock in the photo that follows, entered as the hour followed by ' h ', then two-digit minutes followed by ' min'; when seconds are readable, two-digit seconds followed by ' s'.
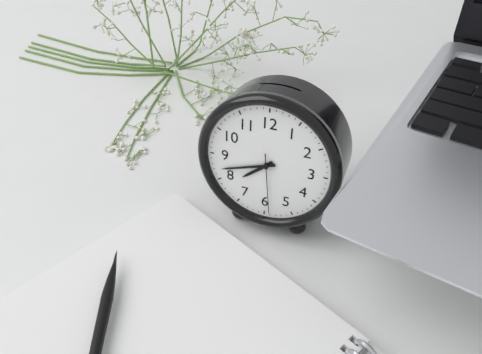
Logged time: 7 h 42 min 29 s
